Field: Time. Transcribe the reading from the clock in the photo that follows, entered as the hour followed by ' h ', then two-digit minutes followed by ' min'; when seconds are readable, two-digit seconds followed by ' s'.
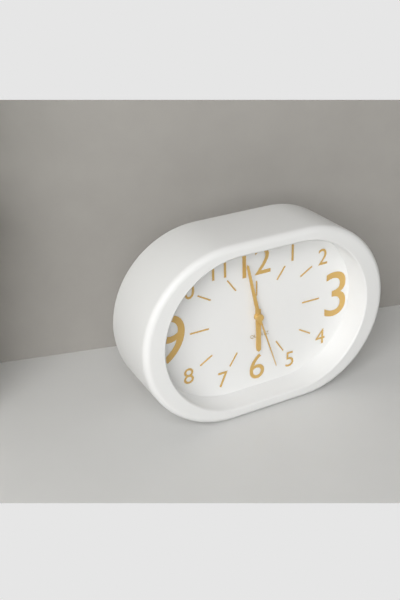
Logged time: 5 h 58 min 27 s
